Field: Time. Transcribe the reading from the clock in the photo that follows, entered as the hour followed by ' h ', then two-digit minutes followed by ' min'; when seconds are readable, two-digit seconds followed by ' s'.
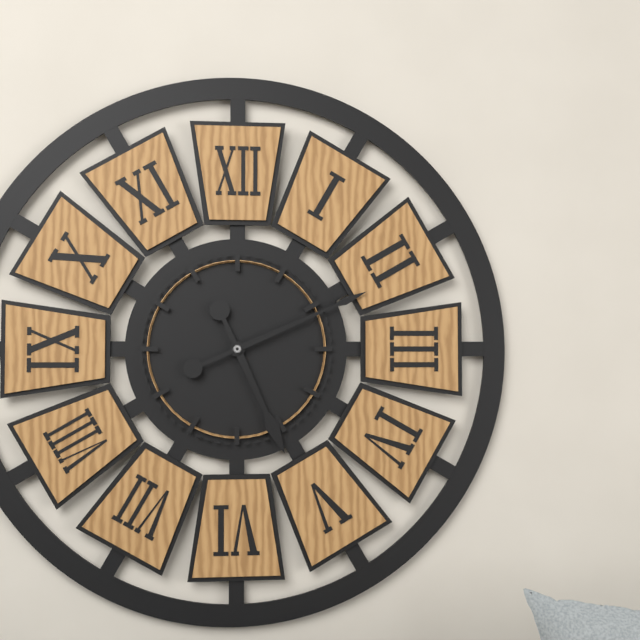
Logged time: 5 h 11 min
